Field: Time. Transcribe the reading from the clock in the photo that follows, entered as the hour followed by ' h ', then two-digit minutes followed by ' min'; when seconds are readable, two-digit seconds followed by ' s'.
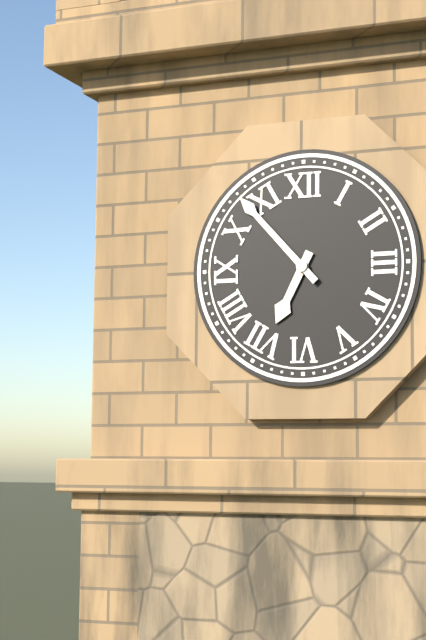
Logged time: 6 h 53 min
